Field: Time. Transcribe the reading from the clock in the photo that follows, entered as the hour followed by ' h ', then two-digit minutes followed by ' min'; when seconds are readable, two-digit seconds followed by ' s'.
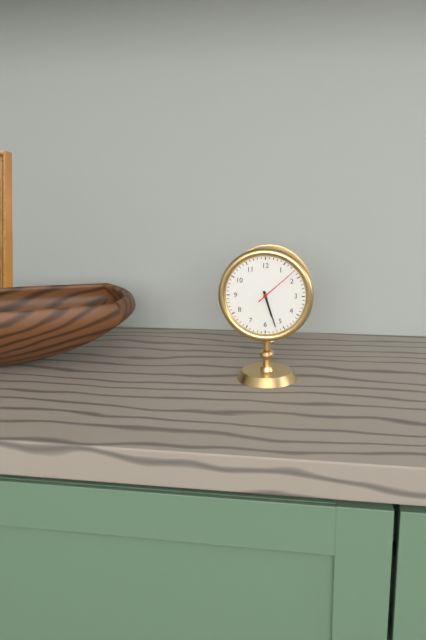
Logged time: 5 h 27 min
